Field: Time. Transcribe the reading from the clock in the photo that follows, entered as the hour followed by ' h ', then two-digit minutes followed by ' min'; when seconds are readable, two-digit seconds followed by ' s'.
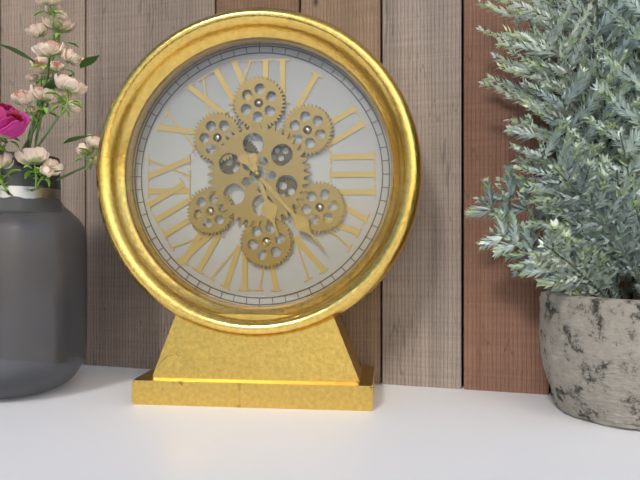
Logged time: 5 h 23 min
